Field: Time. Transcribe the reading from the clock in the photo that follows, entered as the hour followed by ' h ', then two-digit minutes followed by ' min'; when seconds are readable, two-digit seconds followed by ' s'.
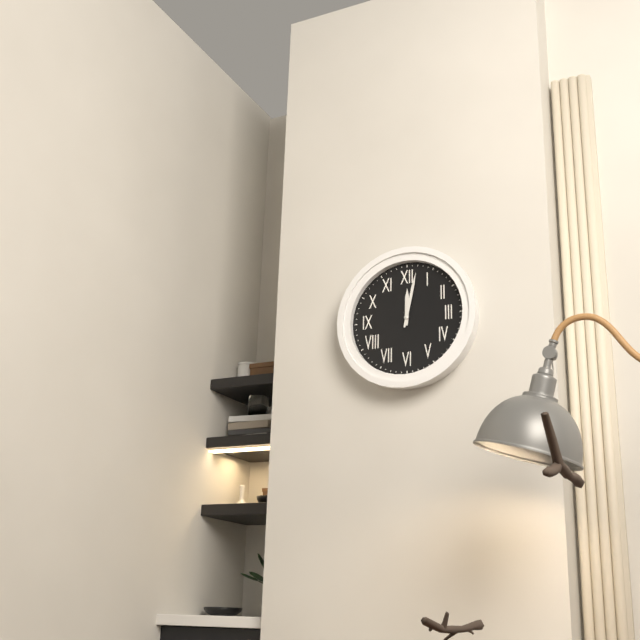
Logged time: 12 h 02 min
